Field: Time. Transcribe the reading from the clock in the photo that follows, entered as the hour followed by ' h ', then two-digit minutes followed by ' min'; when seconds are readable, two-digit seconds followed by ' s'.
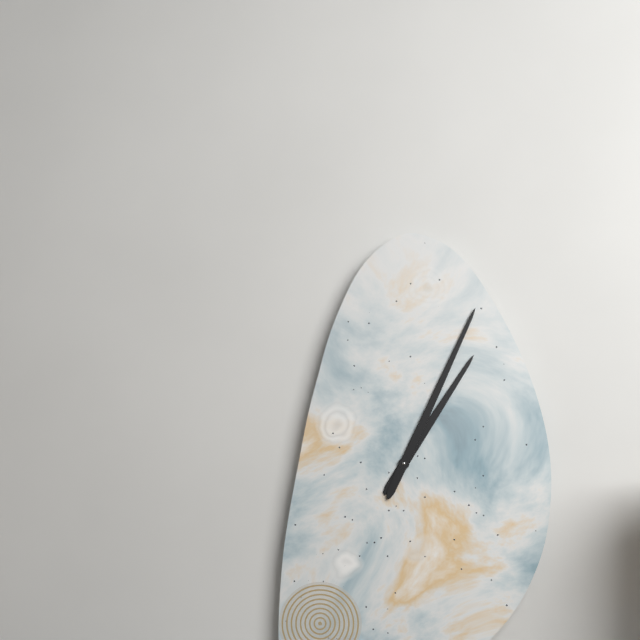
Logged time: 1 h 04 min
